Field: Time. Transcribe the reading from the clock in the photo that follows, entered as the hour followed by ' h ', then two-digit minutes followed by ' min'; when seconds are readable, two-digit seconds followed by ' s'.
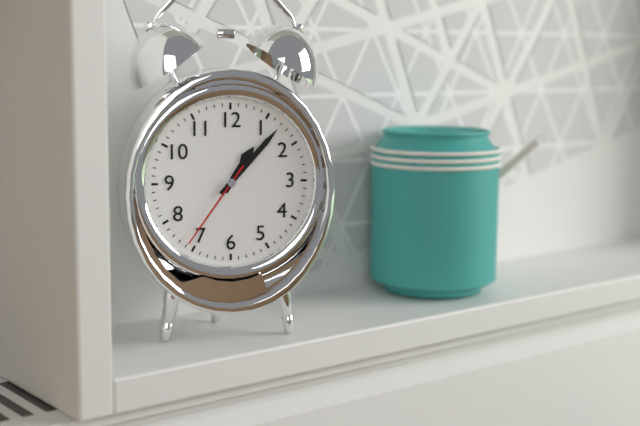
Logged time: 1 h 07 min 36 s
